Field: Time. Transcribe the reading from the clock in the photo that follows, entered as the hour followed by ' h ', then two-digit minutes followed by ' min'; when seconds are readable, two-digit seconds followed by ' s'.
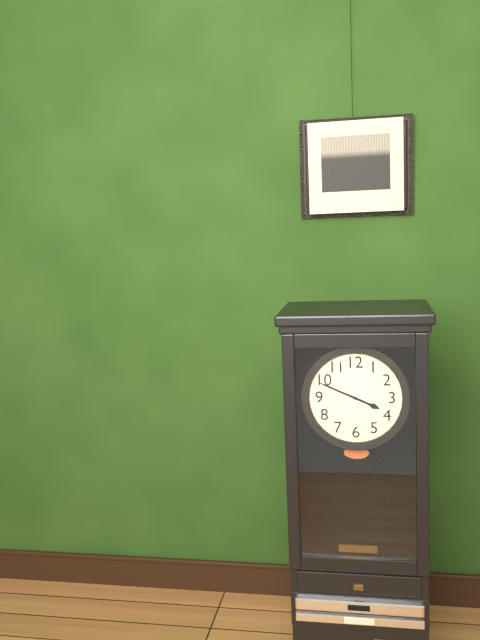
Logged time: 3 h 49 min
